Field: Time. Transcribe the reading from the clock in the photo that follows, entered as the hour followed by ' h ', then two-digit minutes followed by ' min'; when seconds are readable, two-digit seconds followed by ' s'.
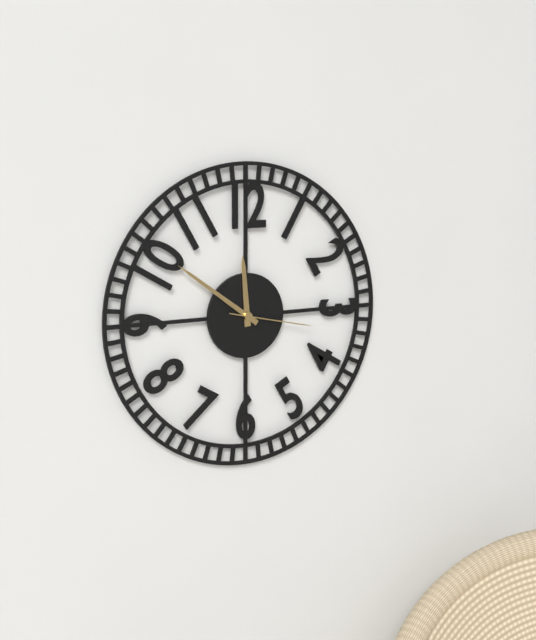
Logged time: 11 h 51 min 17 s
